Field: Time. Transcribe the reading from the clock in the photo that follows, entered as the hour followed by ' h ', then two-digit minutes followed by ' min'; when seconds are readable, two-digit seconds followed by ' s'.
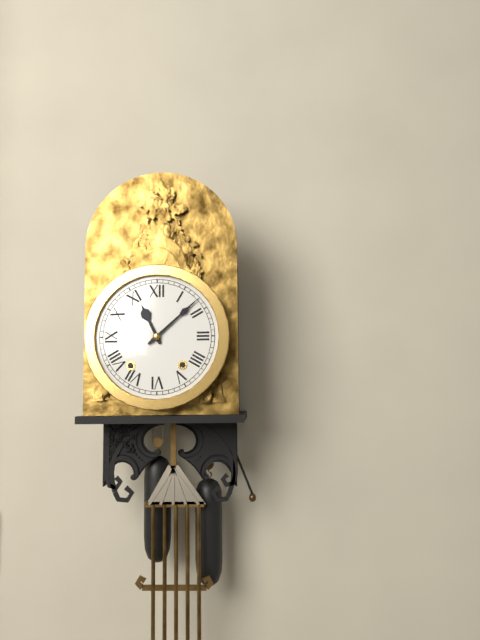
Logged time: 11 h 08 min
